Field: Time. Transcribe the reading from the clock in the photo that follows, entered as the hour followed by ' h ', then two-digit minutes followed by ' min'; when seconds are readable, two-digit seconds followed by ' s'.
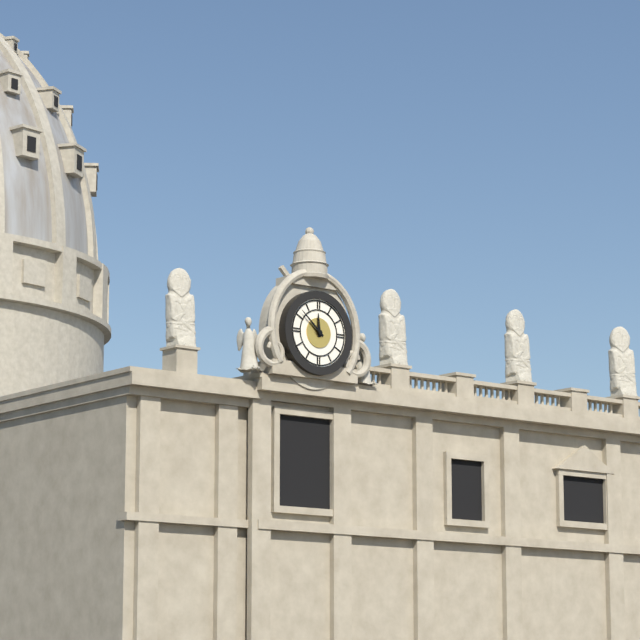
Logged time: 11 h 52 min
